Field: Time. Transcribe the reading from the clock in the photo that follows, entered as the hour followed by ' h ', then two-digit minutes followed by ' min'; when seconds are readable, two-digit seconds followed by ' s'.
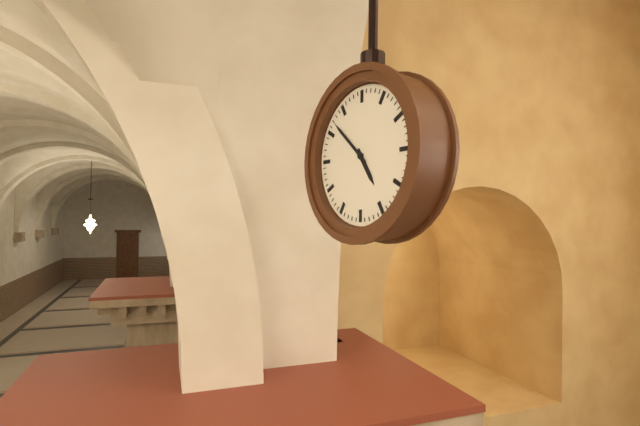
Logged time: 4 h 52 min
